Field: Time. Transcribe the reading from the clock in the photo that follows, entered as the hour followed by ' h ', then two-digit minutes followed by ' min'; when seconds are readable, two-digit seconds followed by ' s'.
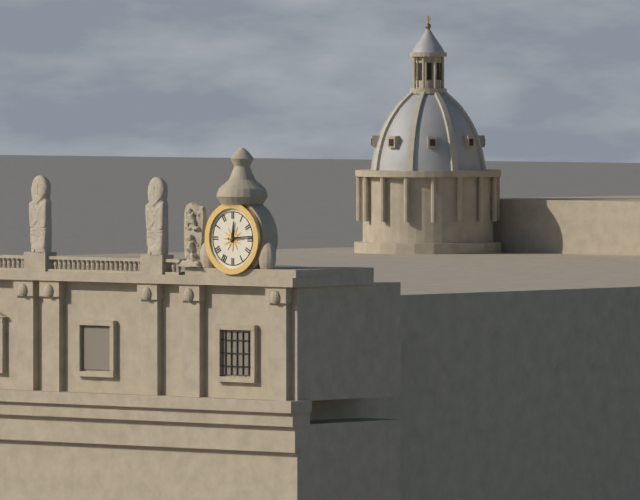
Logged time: 12 h 14 min
